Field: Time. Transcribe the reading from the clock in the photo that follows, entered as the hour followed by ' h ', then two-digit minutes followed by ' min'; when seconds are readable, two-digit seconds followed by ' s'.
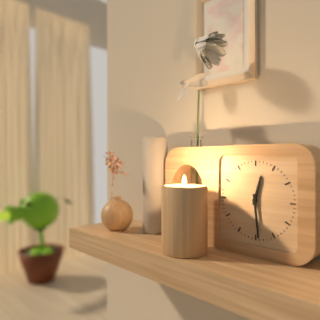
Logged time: 12 h 29 min
